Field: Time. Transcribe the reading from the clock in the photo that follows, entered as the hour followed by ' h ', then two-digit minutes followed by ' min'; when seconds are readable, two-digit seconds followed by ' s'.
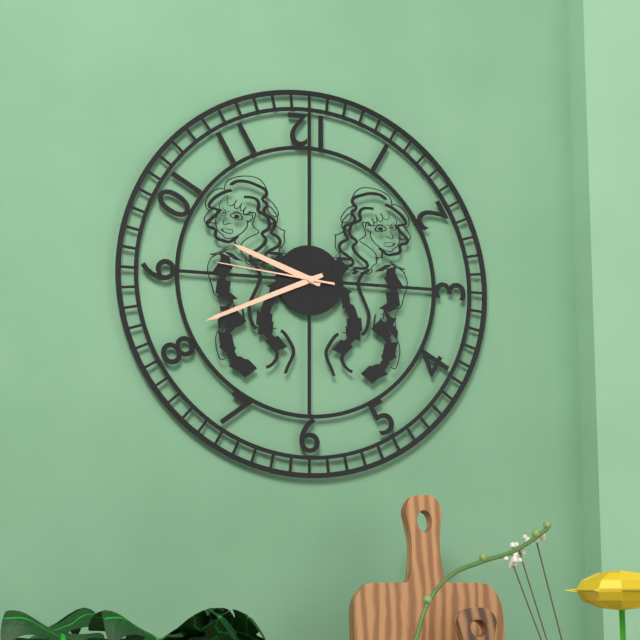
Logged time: 9 h 41 min 46 s
